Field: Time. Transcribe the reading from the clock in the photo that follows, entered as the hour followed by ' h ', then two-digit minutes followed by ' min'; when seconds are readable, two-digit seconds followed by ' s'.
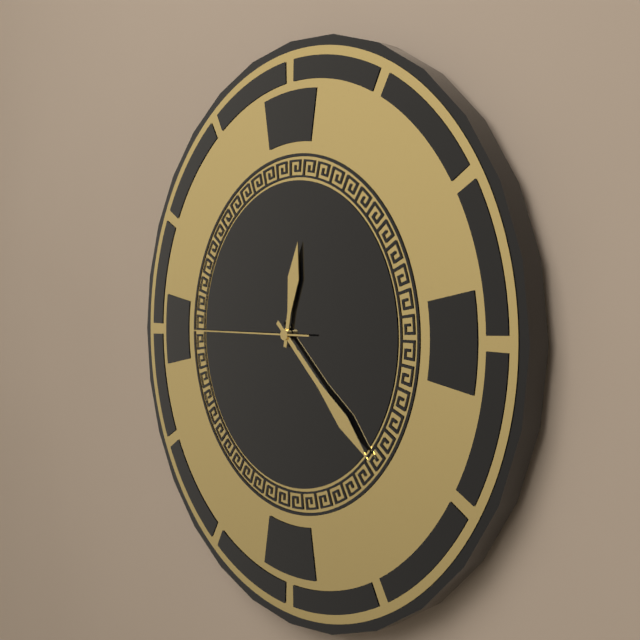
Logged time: 12 h 22 min 45 s
